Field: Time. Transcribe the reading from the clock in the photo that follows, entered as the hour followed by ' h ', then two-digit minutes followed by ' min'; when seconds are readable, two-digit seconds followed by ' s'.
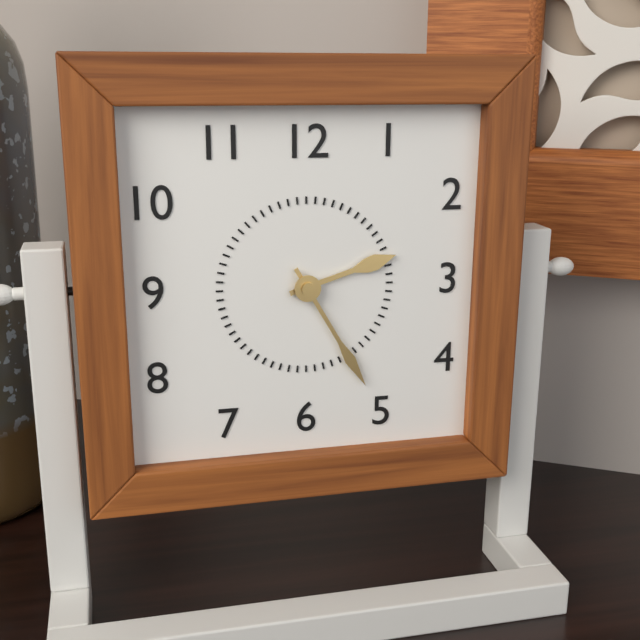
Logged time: 2 h 25 min
